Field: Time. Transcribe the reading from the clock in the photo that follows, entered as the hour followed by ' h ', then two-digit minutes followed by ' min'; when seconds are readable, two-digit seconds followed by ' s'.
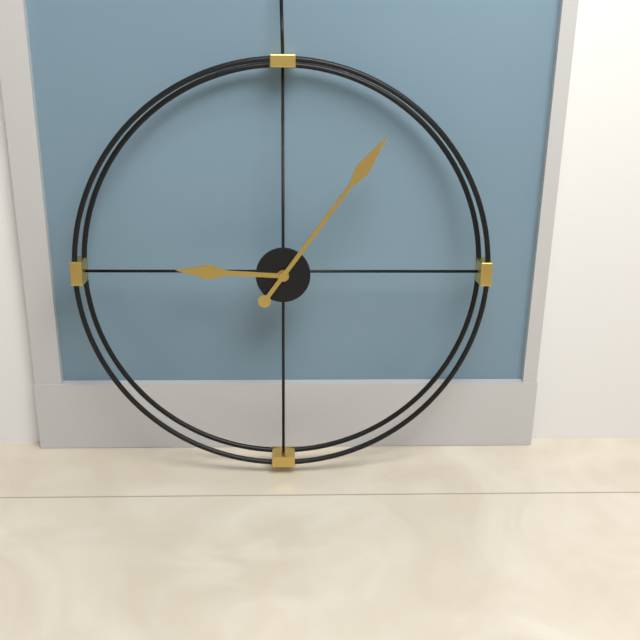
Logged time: 9 h 06 min
